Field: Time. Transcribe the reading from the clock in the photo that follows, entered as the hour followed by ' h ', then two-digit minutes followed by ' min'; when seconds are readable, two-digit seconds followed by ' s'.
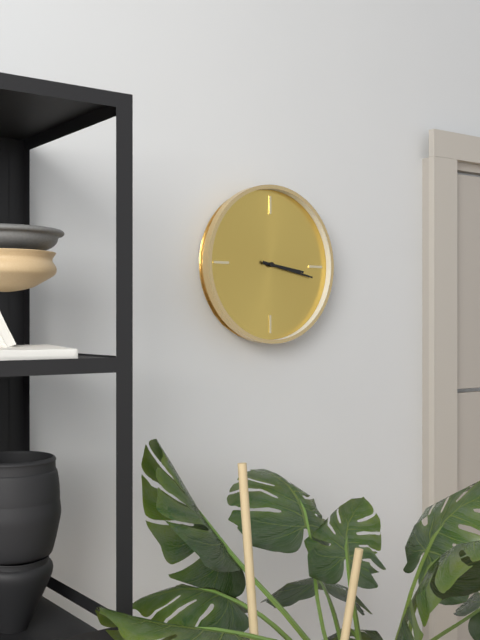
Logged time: 3 h 17 min
